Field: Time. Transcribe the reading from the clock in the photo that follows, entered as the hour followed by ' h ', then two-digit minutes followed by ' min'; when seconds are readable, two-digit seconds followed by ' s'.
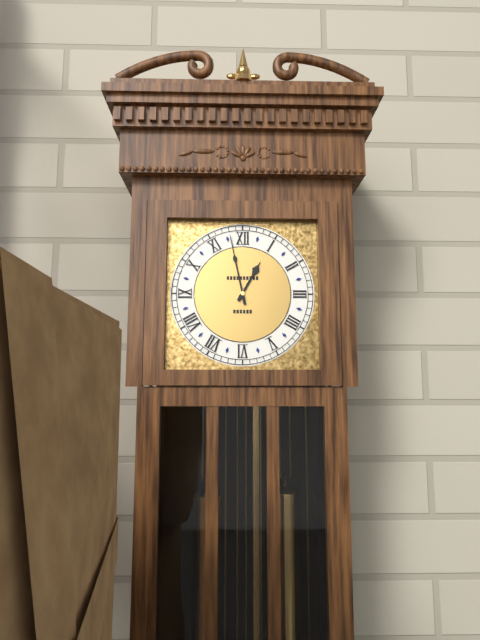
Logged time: 12 h 58 min
